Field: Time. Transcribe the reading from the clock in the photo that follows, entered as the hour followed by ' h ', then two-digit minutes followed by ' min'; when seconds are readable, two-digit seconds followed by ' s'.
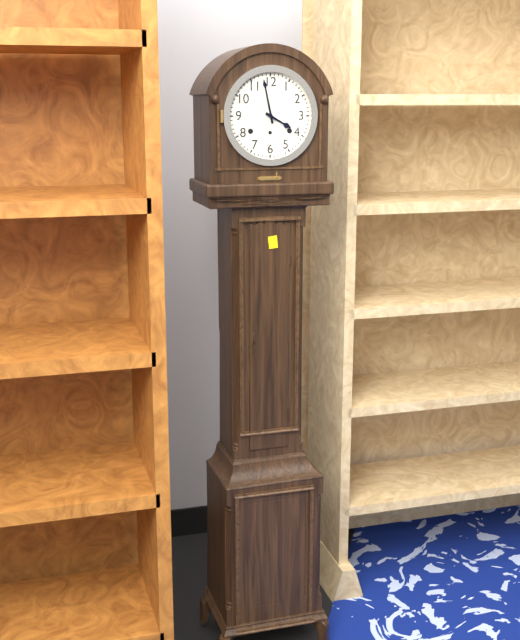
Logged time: 3 h 58 min
